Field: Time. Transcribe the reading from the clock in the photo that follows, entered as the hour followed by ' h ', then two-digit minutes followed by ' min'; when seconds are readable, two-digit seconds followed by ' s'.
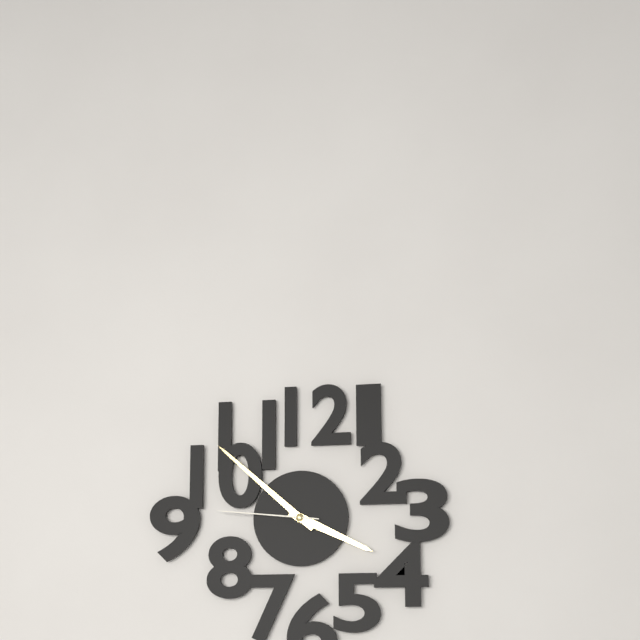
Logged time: 3 h 52 min 46 s
